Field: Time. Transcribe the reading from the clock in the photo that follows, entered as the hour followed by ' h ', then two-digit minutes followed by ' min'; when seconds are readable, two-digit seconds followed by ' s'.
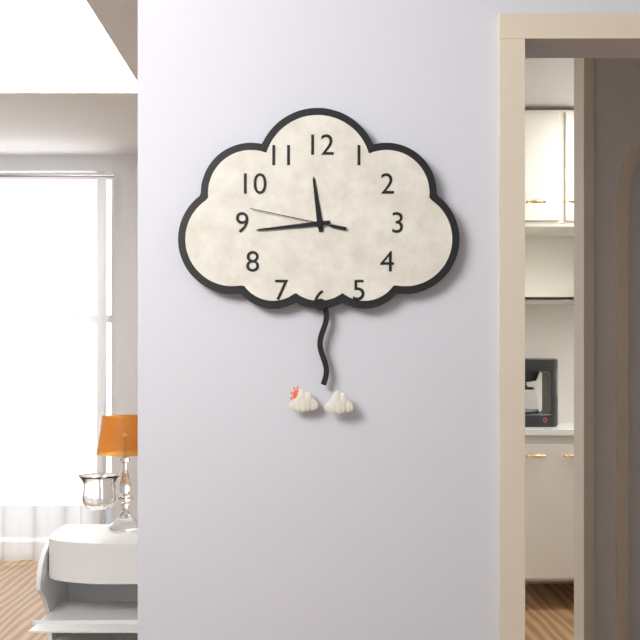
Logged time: 11 h 44 min 47 s
